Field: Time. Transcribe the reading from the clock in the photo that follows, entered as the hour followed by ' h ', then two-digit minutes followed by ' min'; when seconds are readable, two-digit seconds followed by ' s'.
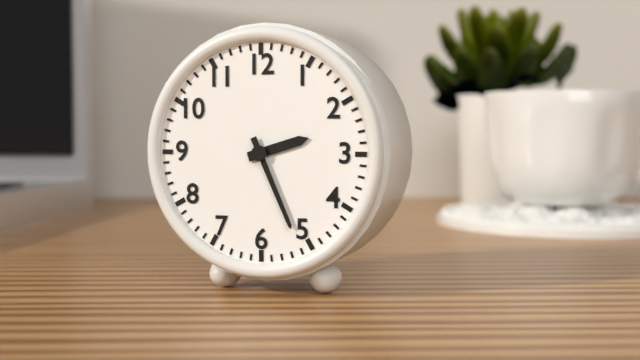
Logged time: 2 h 26 min
